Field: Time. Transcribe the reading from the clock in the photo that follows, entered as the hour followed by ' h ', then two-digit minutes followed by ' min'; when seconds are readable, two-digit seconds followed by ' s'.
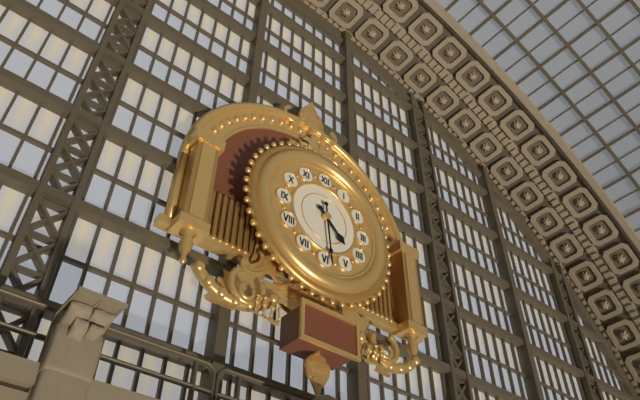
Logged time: 4 h 29 min
